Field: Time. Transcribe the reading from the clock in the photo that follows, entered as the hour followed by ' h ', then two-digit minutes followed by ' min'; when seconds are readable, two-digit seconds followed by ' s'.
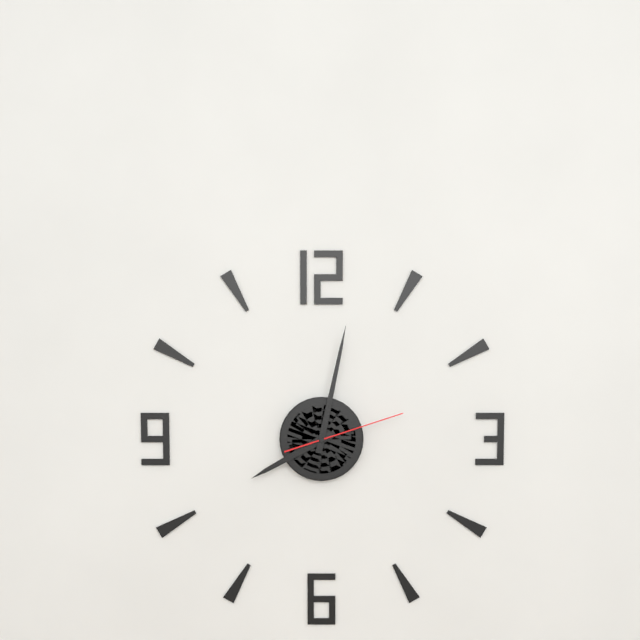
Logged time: 8 h 02 min 12 s
